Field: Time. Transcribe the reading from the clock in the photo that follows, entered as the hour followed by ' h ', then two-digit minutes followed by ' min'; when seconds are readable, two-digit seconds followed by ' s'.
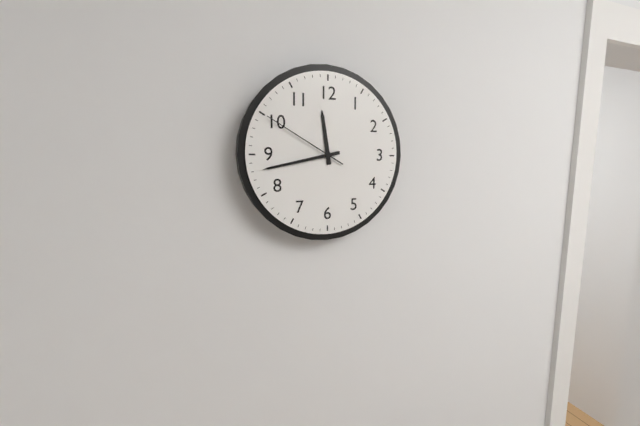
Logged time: 11 h 43 min 50 s
